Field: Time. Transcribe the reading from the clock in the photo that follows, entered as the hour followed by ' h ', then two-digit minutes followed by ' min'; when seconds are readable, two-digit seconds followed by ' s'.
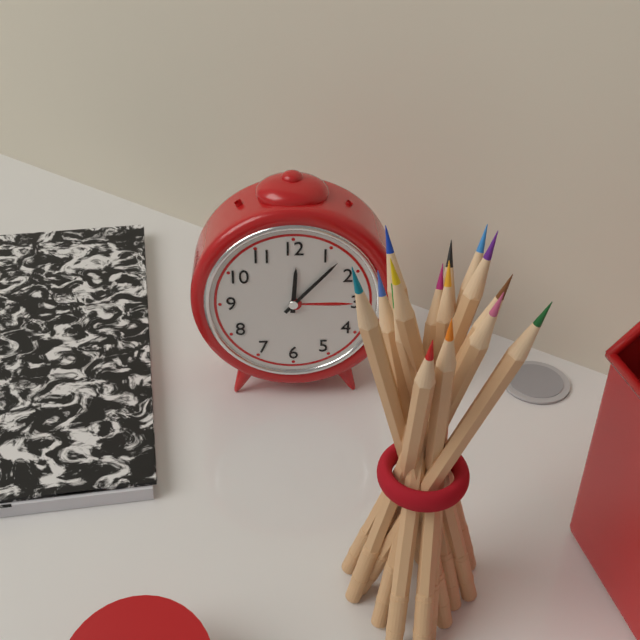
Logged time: 12 h 07 min
